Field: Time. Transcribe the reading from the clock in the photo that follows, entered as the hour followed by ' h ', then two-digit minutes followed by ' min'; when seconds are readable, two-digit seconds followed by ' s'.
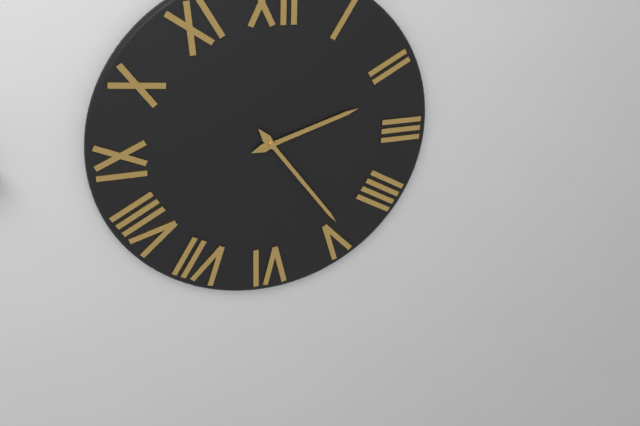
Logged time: 2 h 24 min
